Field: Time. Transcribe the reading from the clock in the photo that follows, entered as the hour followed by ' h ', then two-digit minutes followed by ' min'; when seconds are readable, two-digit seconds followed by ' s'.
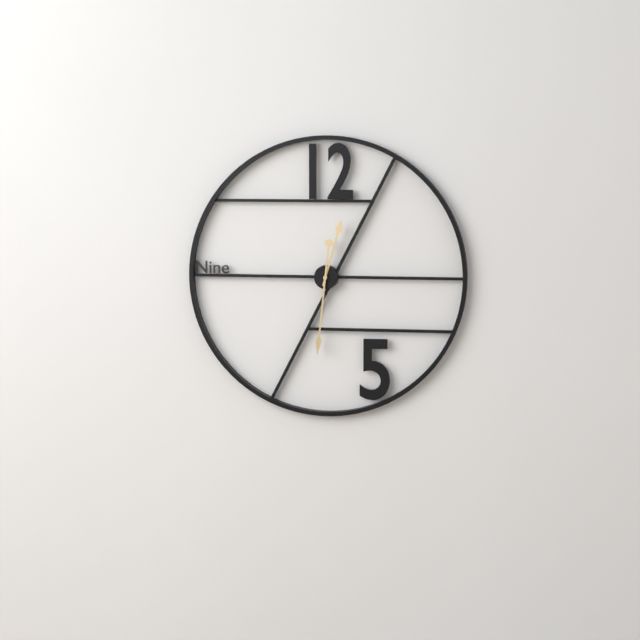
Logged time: 12 h 31 min
